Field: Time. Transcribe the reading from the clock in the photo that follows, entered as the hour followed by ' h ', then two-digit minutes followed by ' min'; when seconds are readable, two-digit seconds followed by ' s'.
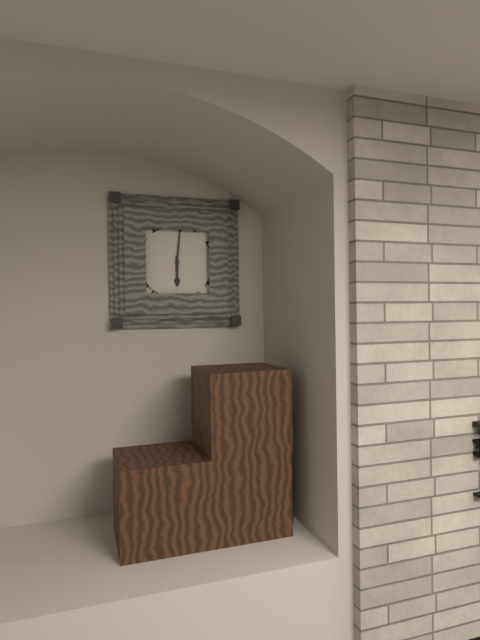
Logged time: 6 h 01 min
